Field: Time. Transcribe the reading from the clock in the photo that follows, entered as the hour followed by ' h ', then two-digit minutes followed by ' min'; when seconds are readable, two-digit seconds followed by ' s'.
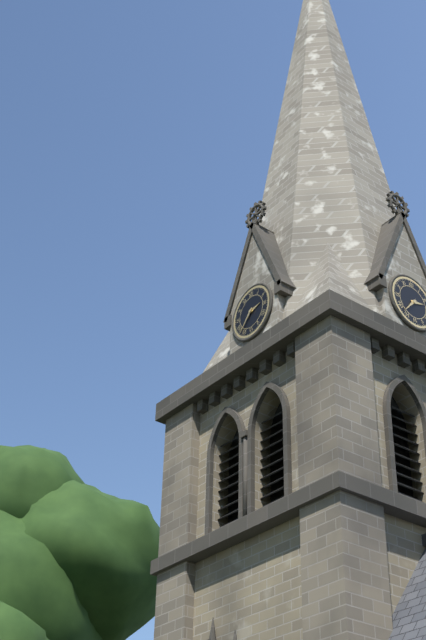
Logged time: 2 h 37 min
